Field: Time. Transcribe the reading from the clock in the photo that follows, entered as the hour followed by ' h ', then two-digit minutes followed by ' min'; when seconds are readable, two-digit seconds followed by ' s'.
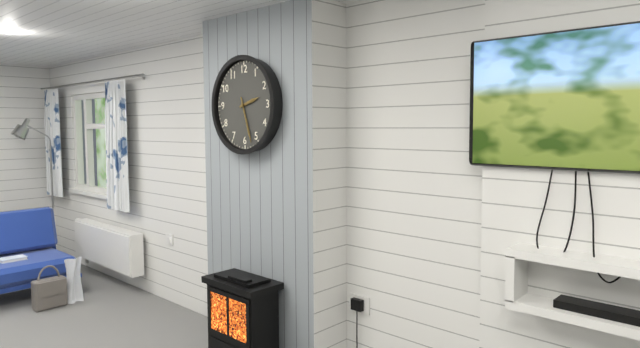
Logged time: 2 h 27 min
